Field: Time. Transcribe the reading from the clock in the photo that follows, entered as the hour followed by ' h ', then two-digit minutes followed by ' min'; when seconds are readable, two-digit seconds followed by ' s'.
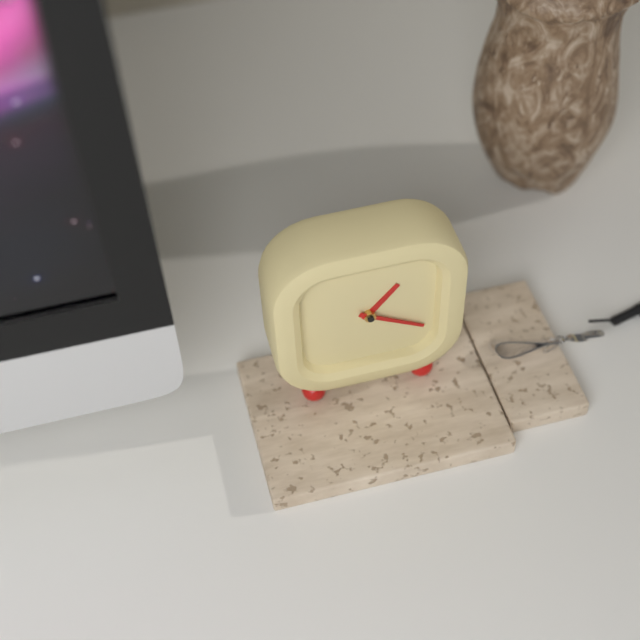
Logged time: 1 h 20 min
